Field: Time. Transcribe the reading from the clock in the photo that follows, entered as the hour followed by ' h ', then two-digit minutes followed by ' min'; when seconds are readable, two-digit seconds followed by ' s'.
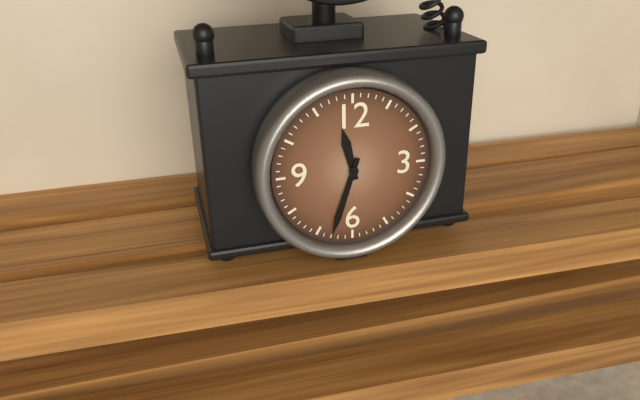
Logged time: 11 h 33 min
